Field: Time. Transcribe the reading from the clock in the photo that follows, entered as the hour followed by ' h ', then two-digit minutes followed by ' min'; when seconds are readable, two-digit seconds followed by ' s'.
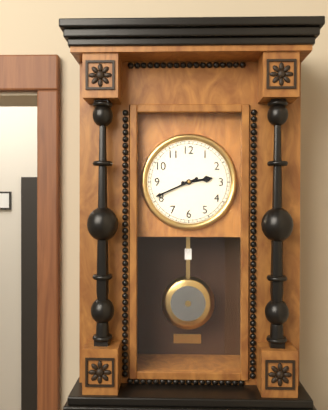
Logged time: 2 h 41 min
